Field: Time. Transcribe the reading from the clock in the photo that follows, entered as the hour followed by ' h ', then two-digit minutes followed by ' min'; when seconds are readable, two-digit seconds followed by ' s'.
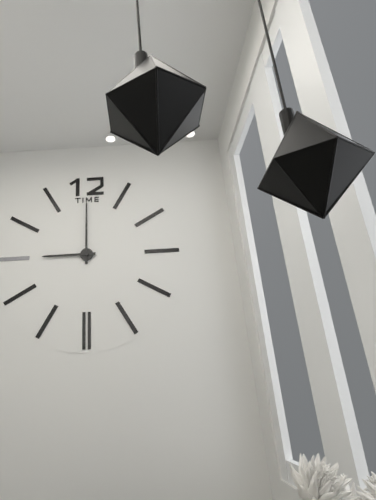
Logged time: 9 h 00 min
